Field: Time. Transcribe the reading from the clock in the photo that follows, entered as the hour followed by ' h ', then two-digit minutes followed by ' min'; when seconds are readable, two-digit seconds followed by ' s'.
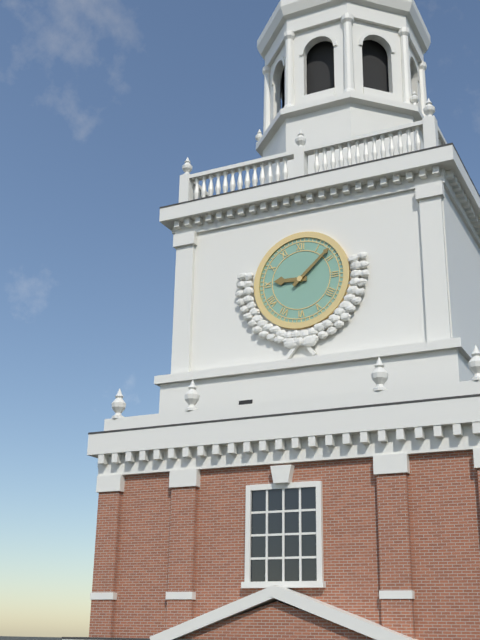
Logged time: 9 h 08 min
